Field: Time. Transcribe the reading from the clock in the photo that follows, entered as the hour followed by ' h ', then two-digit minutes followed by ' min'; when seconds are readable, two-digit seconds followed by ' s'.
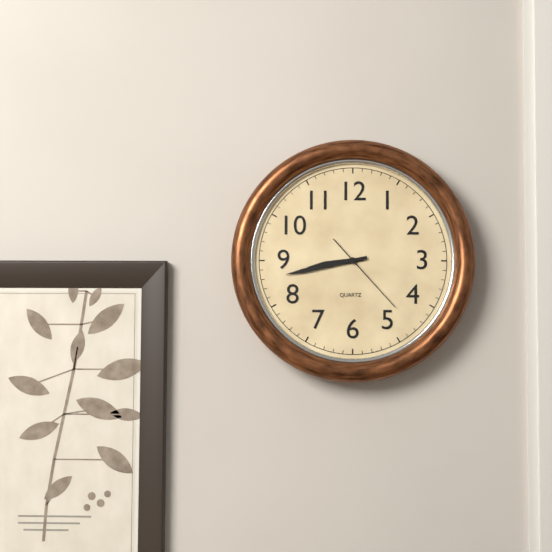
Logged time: 8 h 43 min 23 s
